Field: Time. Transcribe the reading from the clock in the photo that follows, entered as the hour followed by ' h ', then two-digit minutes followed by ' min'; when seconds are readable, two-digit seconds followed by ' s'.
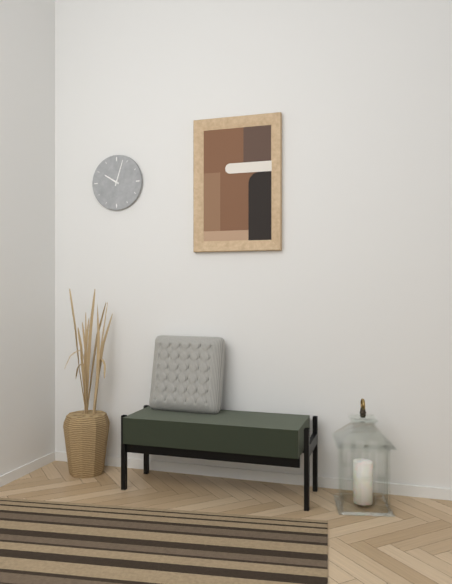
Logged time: 10 h 03 min
